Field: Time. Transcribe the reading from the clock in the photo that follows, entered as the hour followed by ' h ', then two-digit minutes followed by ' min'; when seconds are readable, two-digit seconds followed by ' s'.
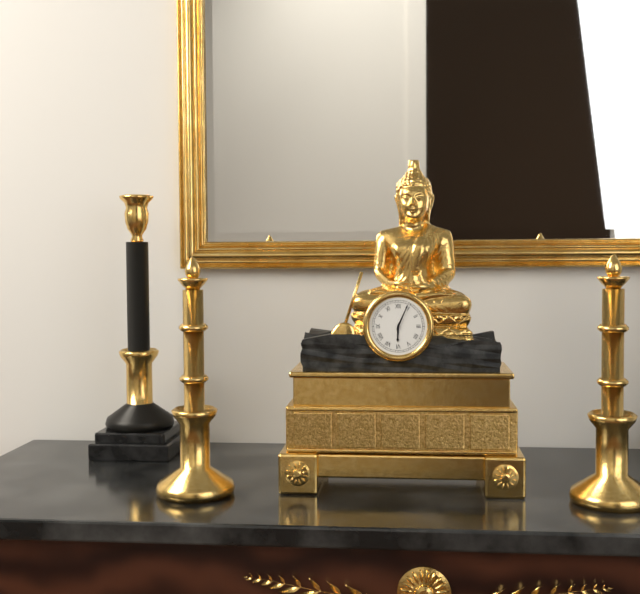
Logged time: 6 h 04 min
